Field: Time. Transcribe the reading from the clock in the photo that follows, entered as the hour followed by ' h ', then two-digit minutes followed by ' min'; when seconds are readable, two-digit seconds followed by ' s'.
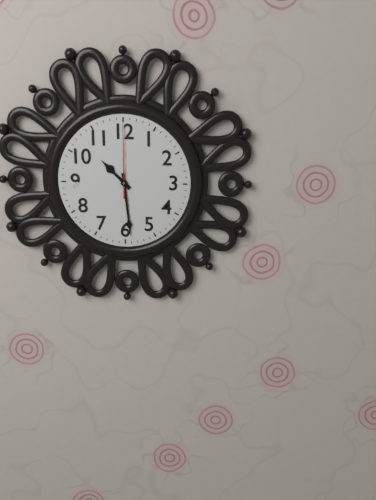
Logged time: 10 h 29 min 00 s
